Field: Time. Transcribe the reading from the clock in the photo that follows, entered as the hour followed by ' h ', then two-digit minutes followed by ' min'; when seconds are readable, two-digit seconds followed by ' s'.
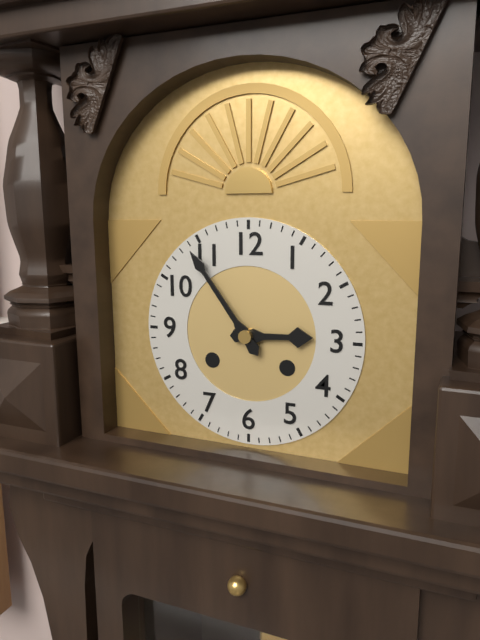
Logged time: 2 h 54 min
